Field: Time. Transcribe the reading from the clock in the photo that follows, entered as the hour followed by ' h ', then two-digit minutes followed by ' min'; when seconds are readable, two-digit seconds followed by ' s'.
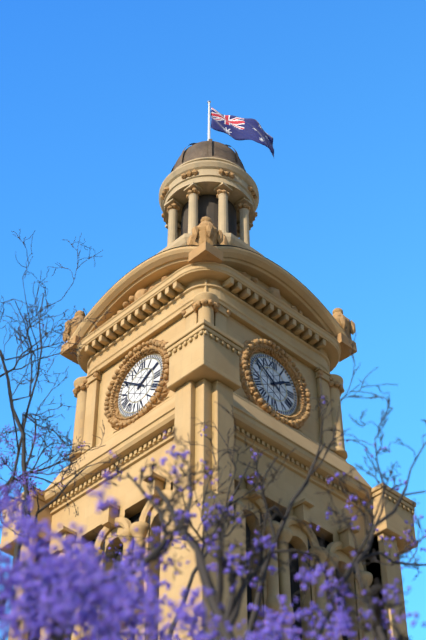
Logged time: 1 h 51 min
